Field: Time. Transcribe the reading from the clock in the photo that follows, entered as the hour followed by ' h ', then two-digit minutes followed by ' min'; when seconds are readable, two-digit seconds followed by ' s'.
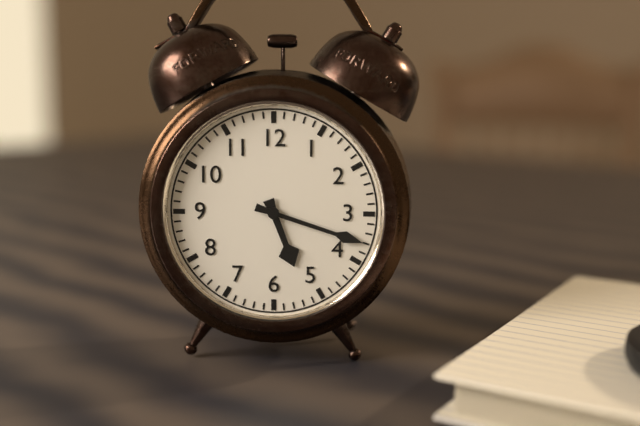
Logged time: 5 h 18 min
